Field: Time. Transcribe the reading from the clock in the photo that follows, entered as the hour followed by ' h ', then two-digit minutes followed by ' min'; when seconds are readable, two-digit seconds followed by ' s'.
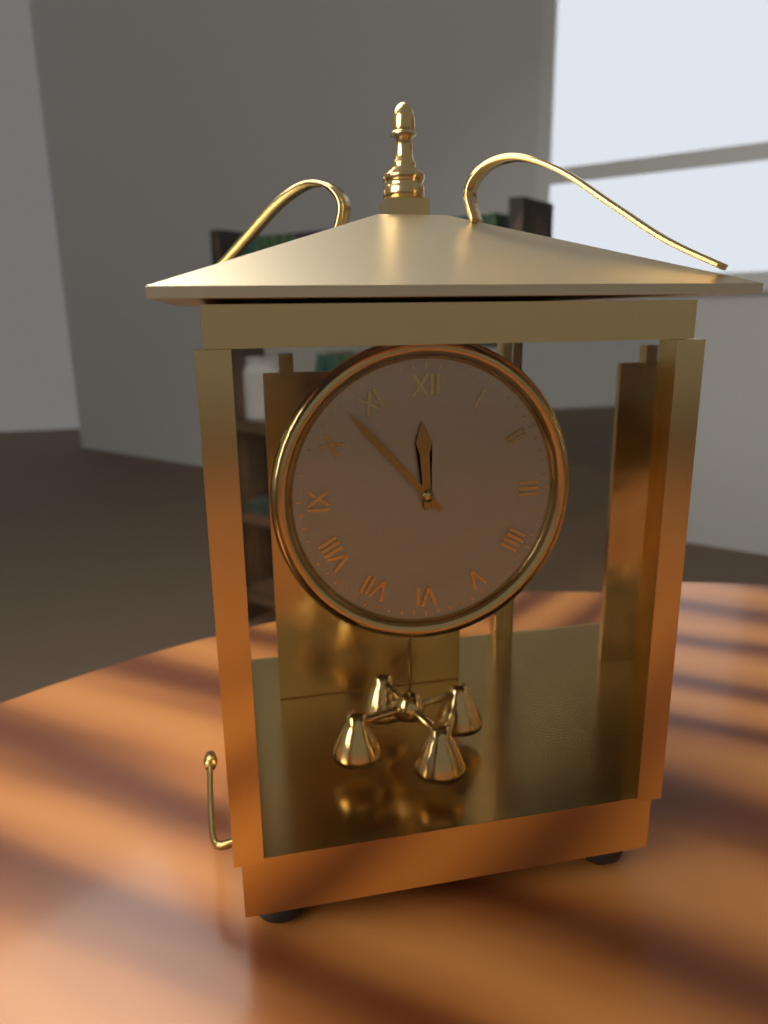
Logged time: 11 h 53 min
